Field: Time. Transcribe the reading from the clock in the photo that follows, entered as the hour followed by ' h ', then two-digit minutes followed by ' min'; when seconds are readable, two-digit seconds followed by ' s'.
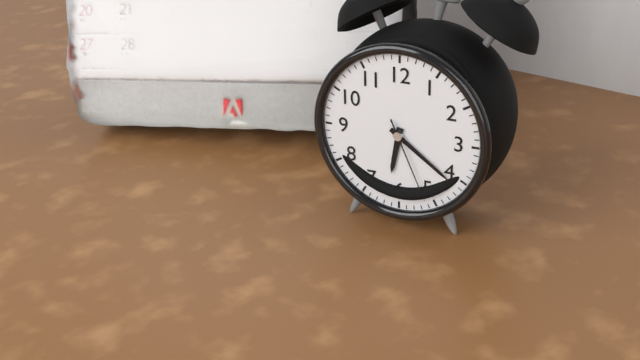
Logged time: 6 h 21 min 26 s
